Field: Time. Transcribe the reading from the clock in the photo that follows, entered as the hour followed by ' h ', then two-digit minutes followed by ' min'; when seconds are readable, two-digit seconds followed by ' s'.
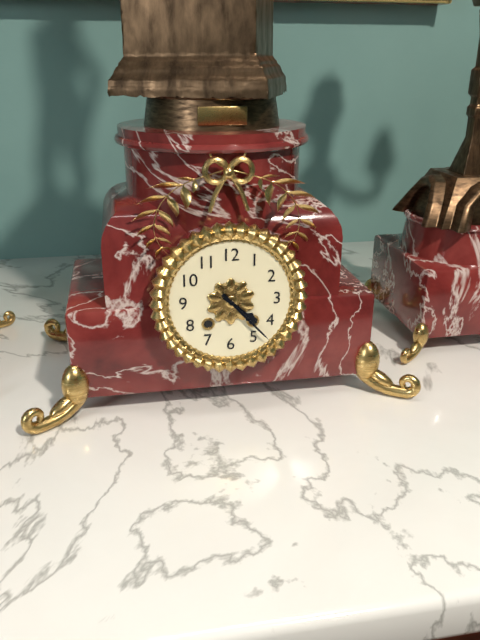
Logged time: 4 h 23 min
